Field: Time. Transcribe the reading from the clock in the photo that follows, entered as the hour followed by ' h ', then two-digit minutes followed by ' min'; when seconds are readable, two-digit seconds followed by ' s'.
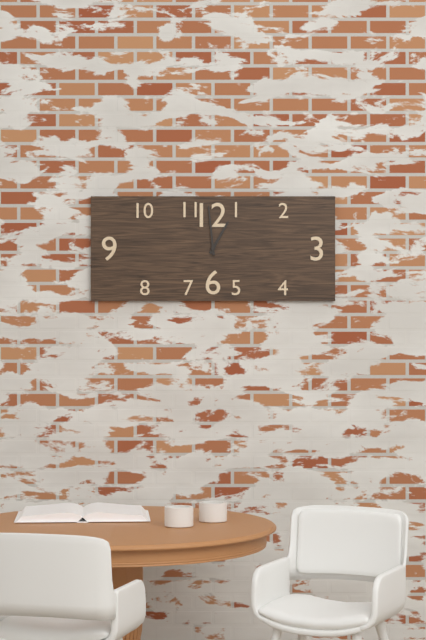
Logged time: 12 h 59 min
